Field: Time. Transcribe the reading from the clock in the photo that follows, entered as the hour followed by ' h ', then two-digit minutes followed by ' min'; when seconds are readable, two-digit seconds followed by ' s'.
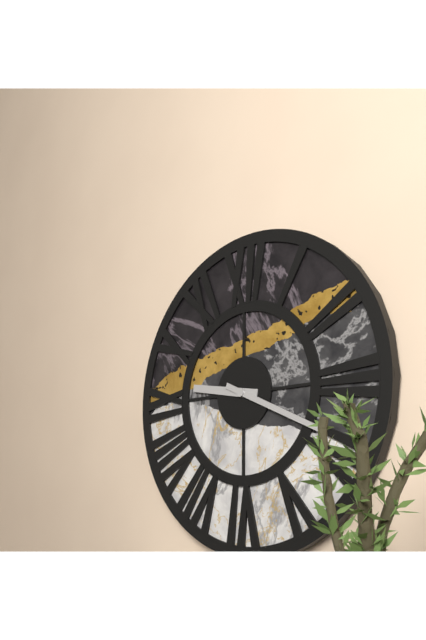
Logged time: 9 h 19 min
